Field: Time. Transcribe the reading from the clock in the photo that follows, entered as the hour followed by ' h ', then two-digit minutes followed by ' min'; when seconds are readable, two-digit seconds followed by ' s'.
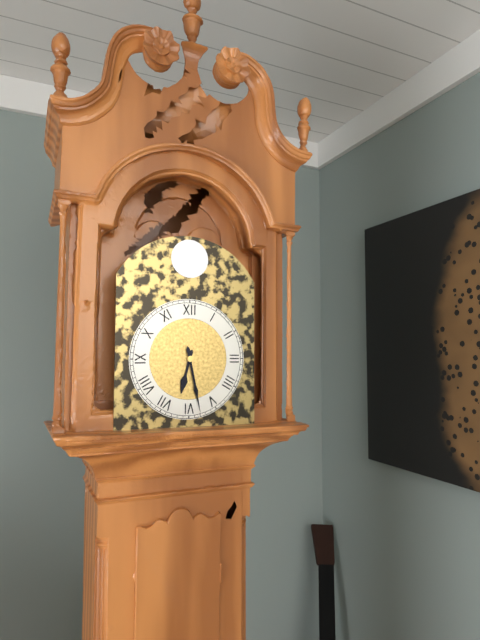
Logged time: 6 h 28 min
